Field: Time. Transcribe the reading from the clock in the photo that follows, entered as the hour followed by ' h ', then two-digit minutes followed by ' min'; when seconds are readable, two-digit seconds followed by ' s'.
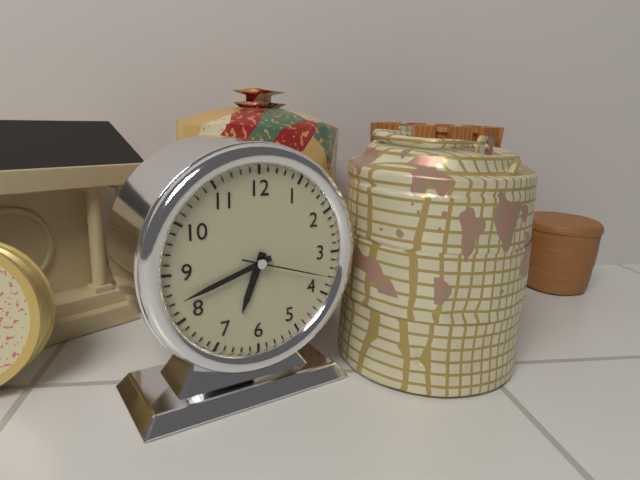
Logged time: 6 h 42 min 18 s
